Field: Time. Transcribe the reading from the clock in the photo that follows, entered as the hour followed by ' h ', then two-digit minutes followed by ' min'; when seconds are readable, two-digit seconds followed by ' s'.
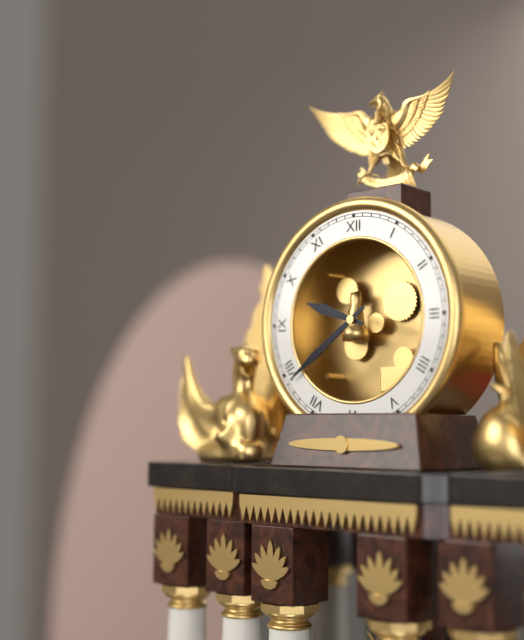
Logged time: 9 h 39 min
